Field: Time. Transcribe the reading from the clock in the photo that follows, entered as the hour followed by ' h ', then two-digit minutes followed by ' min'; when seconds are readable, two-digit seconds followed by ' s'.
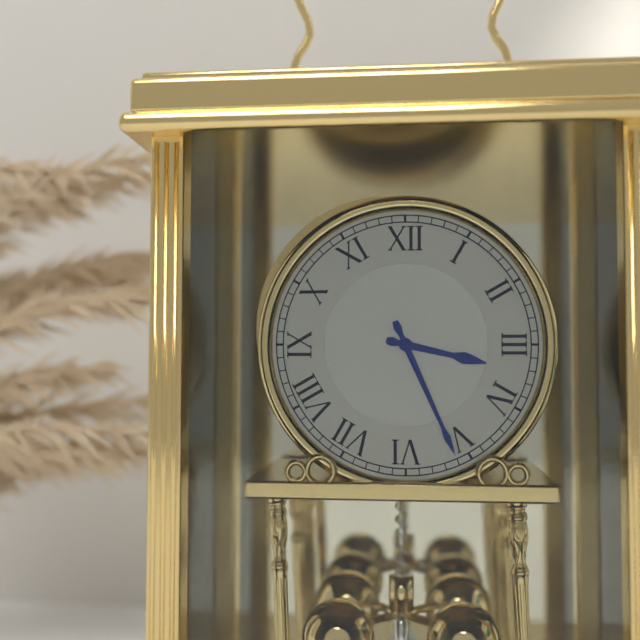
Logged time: 3 h 26 min
